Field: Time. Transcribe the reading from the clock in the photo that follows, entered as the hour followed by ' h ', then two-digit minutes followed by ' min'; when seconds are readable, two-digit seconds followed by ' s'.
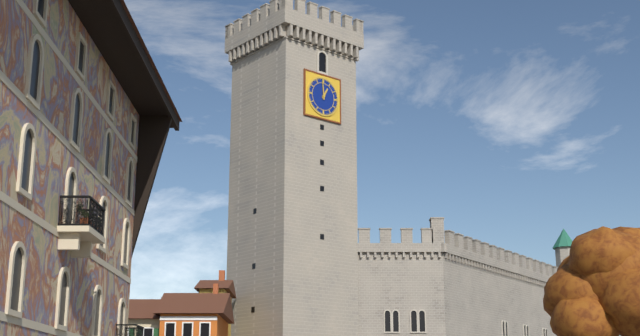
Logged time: 12 h 59 min
